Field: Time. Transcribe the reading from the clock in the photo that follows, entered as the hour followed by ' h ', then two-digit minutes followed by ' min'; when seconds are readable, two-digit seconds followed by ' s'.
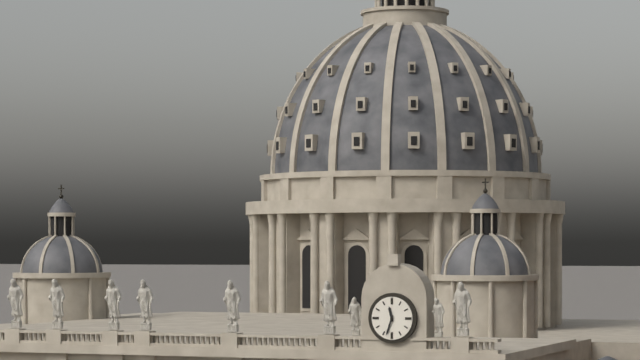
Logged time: 11 h 33 min
